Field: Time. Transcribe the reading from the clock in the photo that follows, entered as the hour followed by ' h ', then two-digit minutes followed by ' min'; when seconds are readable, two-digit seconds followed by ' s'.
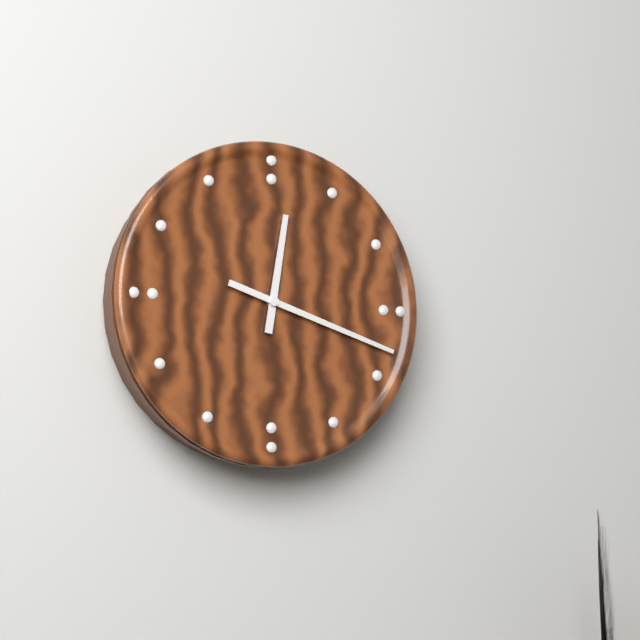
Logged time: 12 h 18 min
